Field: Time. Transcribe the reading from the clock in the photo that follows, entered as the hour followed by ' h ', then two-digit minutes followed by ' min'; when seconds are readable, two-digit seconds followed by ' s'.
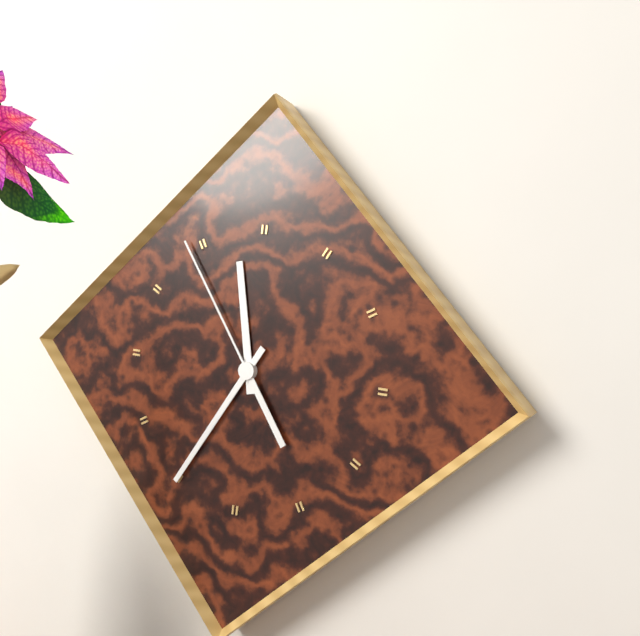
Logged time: 11 h 35 min 54 s
